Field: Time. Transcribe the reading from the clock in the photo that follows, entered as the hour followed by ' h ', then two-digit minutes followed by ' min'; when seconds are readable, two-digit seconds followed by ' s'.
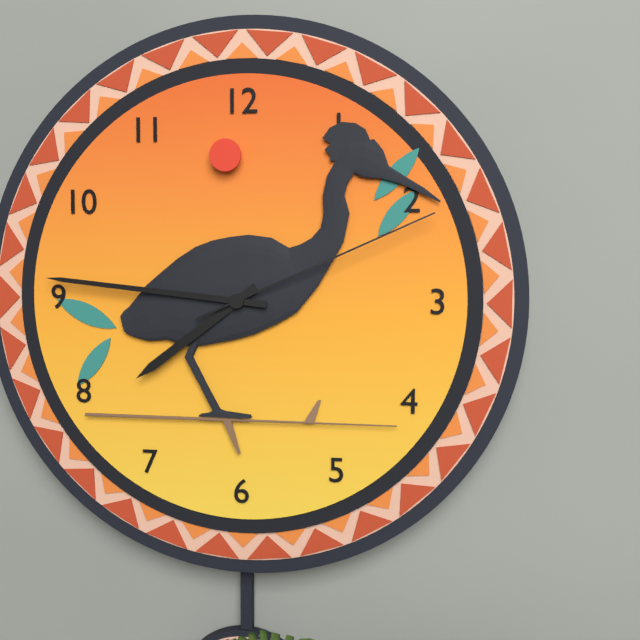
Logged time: 7 h 46 min 11 s
